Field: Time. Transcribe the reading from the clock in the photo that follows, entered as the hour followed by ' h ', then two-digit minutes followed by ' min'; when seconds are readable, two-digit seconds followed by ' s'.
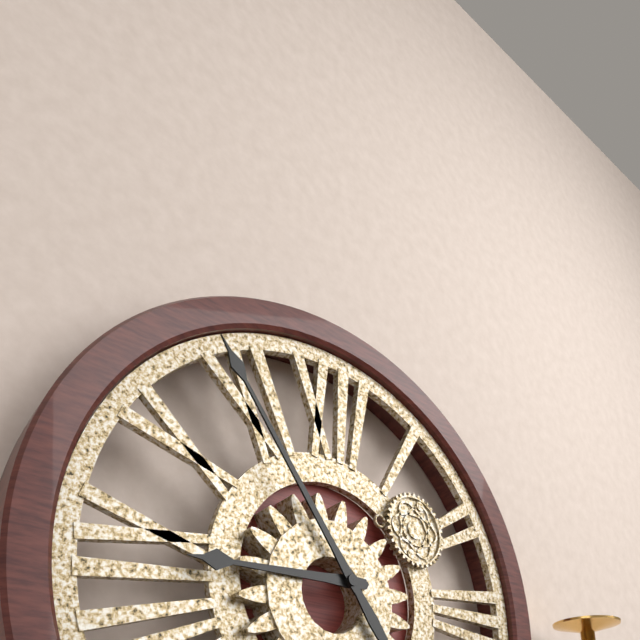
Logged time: 8 h 54 min
